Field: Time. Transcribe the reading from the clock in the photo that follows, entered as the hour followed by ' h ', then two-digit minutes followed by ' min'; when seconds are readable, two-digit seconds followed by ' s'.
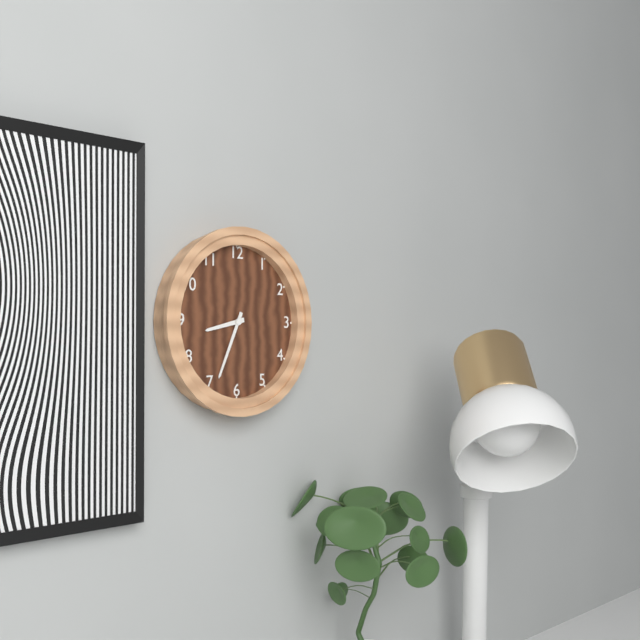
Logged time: 8 h 34 min
